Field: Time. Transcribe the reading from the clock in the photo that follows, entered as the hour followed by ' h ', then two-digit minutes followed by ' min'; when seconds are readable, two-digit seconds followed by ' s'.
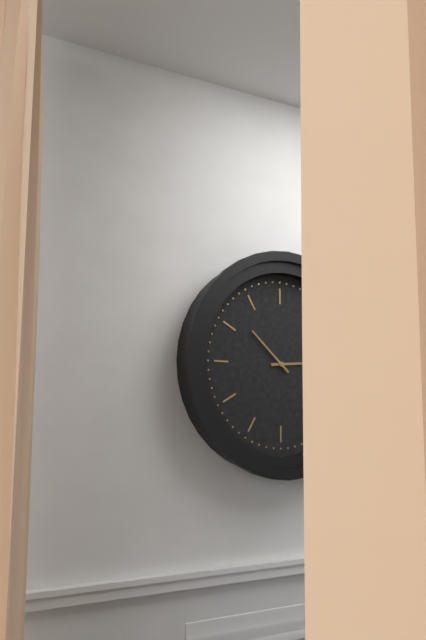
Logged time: 2 h 52 min
